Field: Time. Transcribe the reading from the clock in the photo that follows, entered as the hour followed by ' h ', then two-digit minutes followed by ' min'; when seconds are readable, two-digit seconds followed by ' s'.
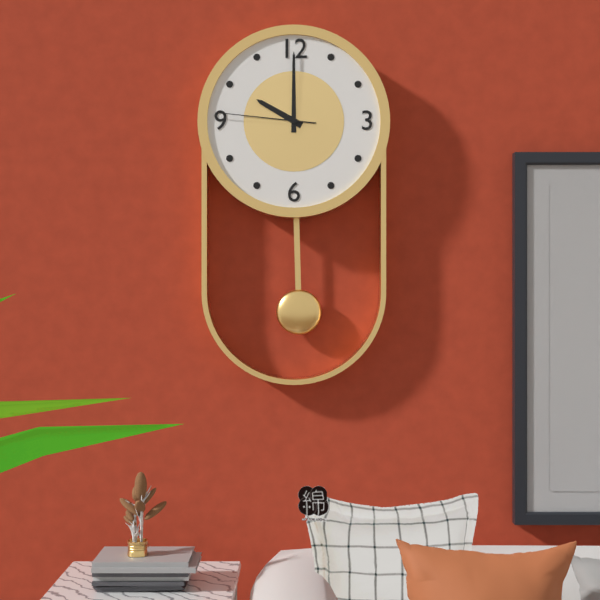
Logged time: 10 h 00 min 46 s
